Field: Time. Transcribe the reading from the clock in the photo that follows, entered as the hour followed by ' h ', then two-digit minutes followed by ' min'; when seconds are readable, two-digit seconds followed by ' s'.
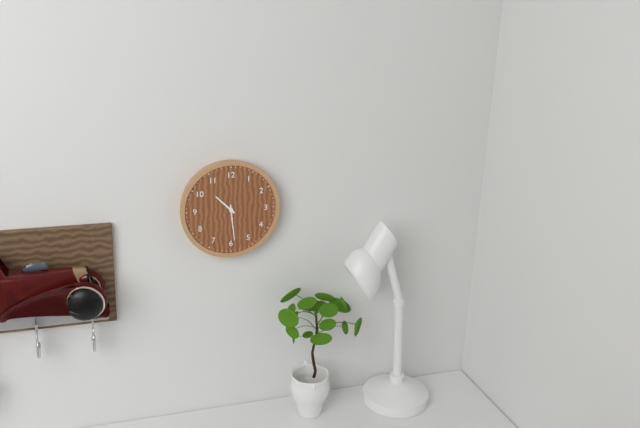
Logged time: 10 h 29 min
